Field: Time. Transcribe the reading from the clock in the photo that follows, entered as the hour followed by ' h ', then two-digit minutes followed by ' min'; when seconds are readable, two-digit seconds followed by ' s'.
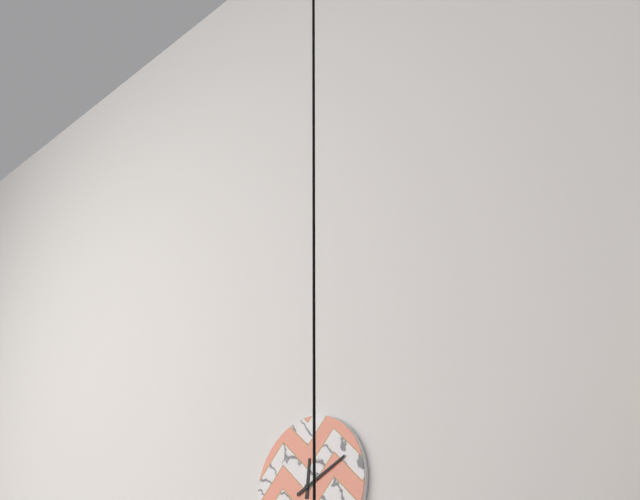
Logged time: 12 h 11 min
